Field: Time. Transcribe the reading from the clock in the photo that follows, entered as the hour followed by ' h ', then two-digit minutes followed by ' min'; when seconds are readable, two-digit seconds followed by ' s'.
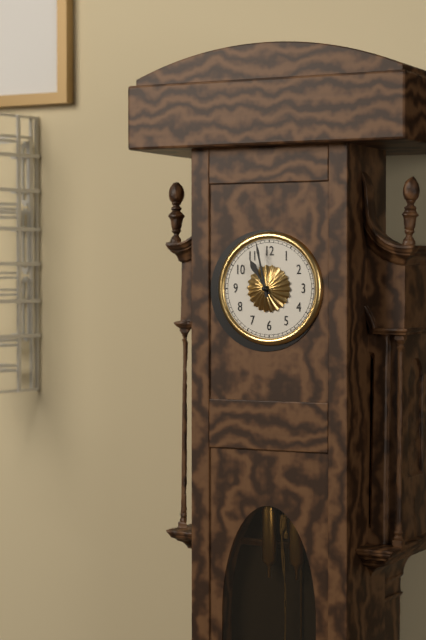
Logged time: 10 h 58 min
